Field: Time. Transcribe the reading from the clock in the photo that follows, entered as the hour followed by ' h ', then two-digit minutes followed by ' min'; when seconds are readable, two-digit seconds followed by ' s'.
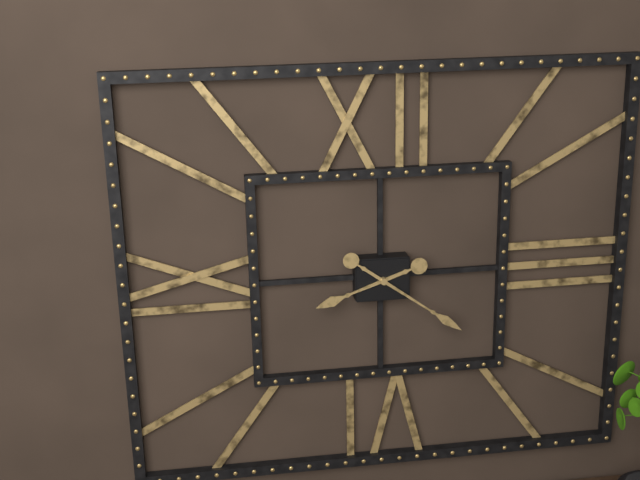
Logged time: 8 h 21 min
